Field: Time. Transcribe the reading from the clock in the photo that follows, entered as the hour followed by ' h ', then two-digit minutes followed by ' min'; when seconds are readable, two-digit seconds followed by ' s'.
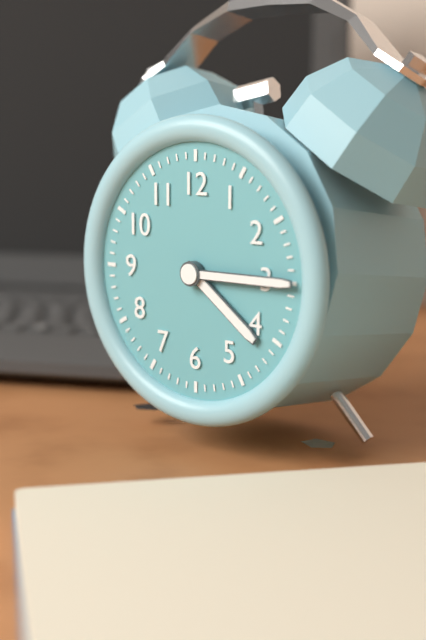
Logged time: 4 h 15 min
